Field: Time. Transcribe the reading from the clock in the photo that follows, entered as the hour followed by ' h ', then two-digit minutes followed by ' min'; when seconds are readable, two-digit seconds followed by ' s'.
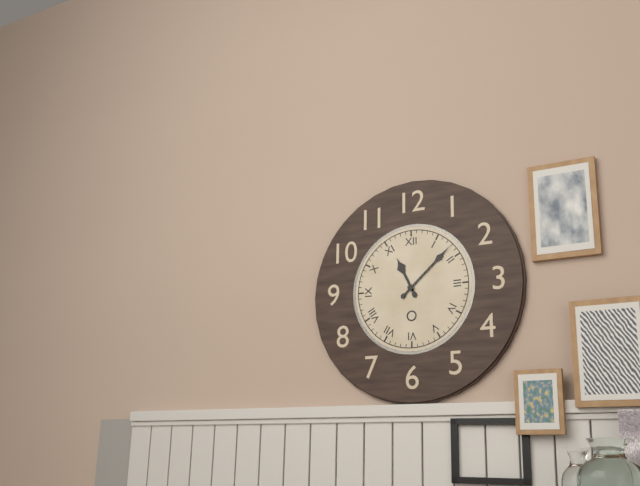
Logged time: 11 h 08 min
